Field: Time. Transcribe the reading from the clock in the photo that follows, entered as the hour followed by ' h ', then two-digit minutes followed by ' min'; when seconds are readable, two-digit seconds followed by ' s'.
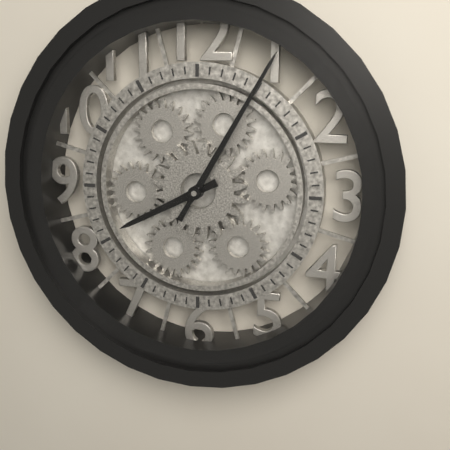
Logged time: 8 h 05 min
